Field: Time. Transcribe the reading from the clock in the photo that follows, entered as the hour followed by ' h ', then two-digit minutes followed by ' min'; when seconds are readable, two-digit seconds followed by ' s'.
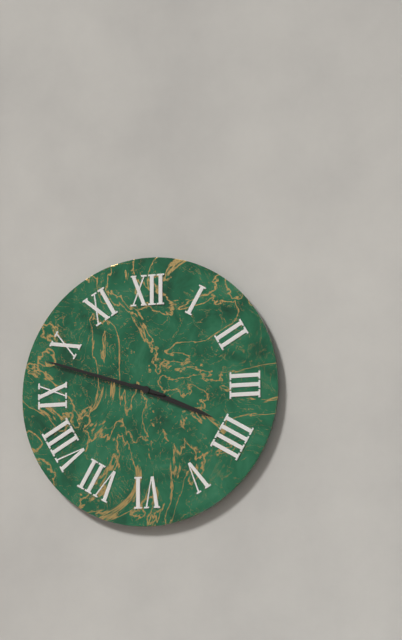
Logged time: 3 h 48 min
